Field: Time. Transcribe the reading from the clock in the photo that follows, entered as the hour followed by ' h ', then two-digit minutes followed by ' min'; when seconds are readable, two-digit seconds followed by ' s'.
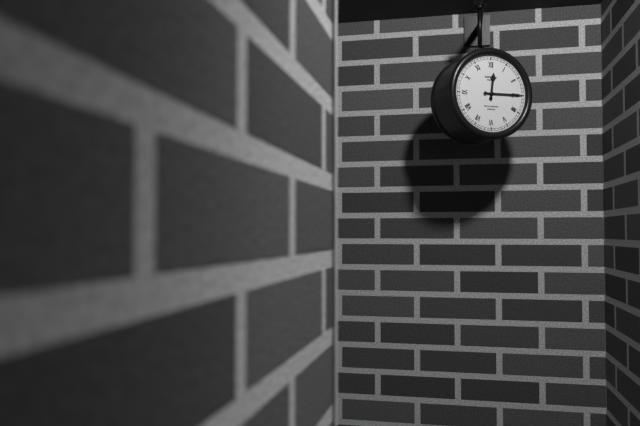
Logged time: 12 h 15 min
